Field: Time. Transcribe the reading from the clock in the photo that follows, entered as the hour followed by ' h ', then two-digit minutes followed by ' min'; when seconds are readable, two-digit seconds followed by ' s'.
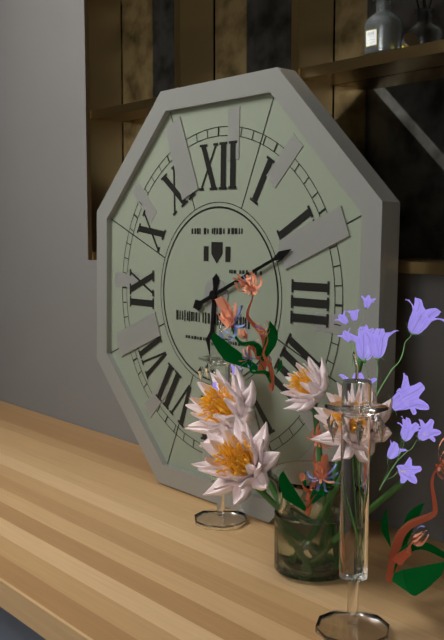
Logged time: 6 h 11 min
